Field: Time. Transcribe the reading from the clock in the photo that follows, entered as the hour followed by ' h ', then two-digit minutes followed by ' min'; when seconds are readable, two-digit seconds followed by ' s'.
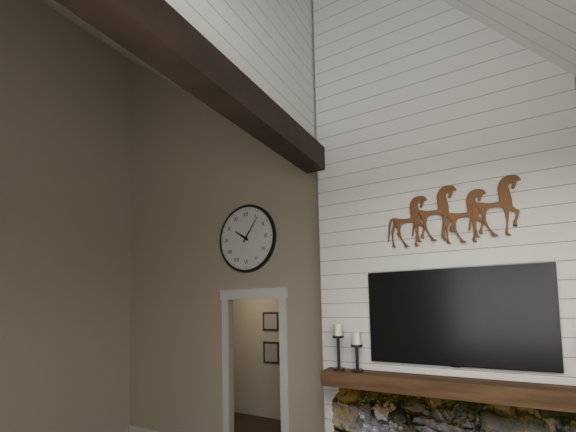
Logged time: 10 h 06 min
